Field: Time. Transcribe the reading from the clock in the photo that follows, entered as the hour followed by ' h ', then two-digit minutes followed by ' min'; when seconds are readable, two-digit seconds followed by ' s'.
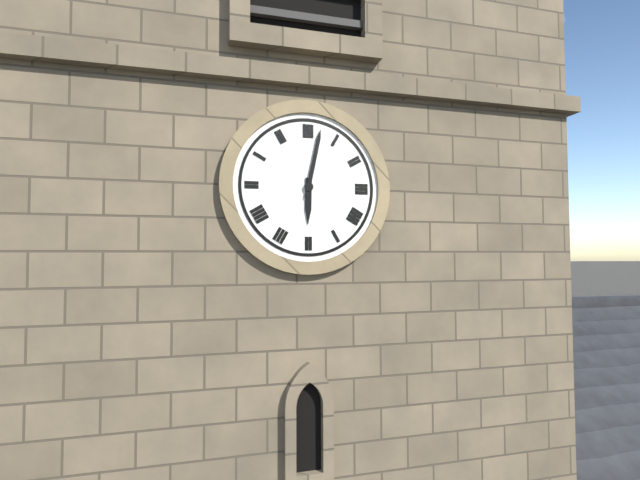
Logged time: 6 h 02 min
